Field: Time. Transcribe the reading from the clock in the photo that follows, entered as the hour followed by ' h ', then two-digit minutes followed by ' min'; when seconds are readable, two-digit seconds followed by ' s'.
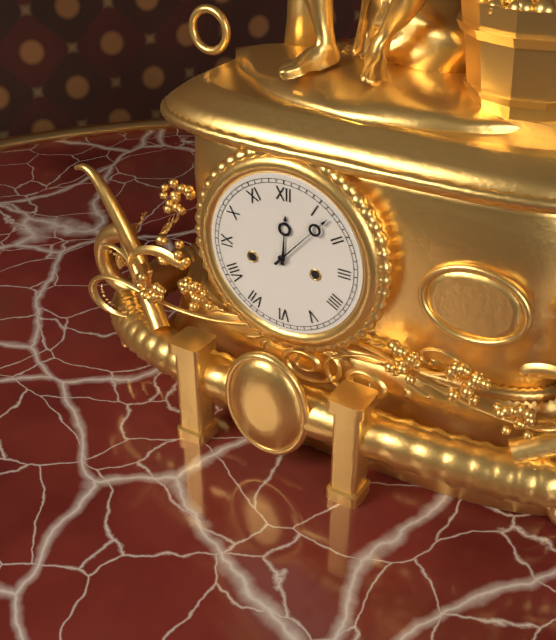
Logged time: 12 h 07 min
